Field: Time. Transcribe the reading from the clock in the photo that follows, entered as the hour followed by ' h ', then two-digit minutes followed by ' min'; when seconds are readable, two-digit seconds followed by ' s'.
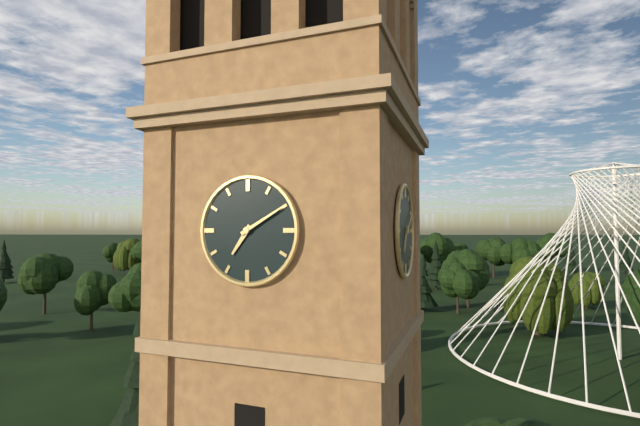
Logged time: 7 h 10 min
